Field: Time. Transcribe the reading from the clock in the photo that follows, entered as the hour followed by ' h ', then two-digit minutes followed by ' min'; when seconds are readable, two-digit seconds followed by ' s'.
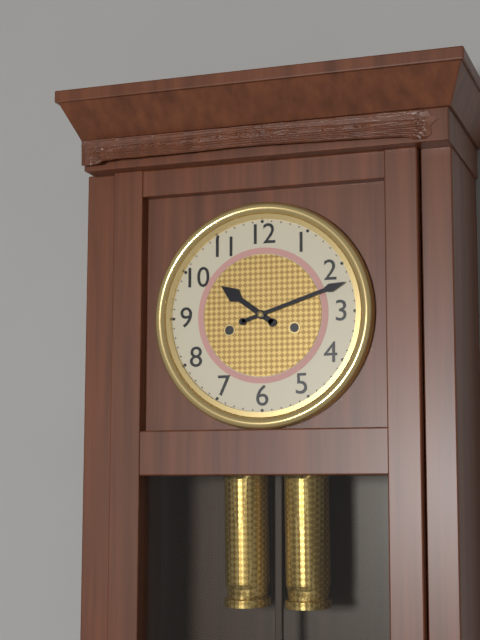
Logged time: 10 h 12 min
